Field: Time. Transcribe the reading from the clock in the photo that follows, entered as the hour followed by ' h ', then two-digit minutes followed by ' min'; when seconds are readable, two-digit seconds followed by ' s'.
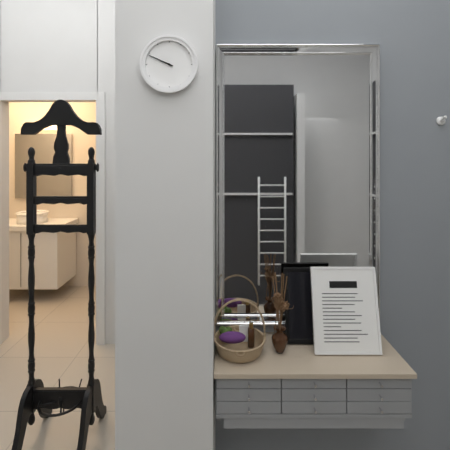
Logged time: 9 h 49 min
